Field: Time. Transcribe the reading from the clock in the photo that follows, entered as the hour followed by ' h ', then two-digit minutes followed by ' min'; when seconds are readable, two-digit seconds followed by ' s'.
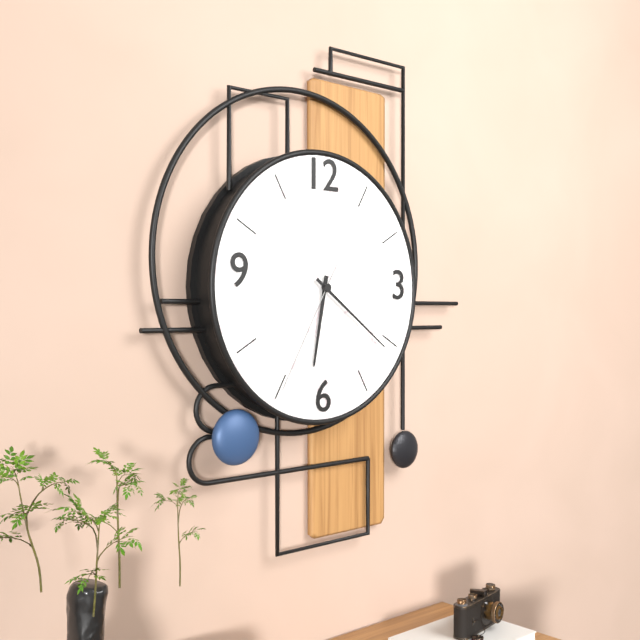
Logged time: 6 h 21 min 35 s
